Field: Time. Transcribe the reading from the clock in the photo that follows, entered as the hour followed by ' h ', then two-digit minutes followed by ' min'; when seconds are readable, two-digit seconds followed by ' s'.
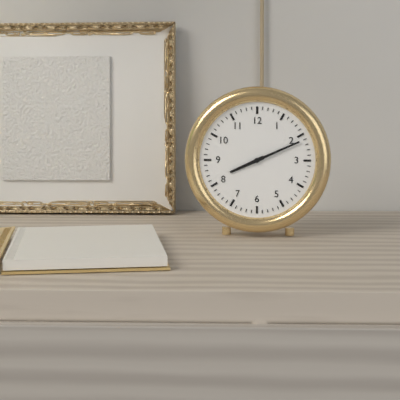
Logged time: 8 h 11 min
